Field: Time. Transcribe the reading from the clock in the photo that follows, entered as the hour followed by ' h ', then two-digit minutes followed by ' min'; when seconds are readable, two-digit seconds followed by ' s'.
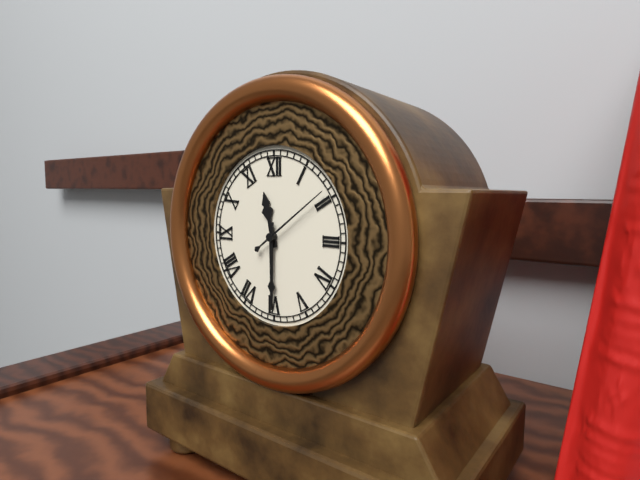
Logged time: 11 h 30 min 09 s
